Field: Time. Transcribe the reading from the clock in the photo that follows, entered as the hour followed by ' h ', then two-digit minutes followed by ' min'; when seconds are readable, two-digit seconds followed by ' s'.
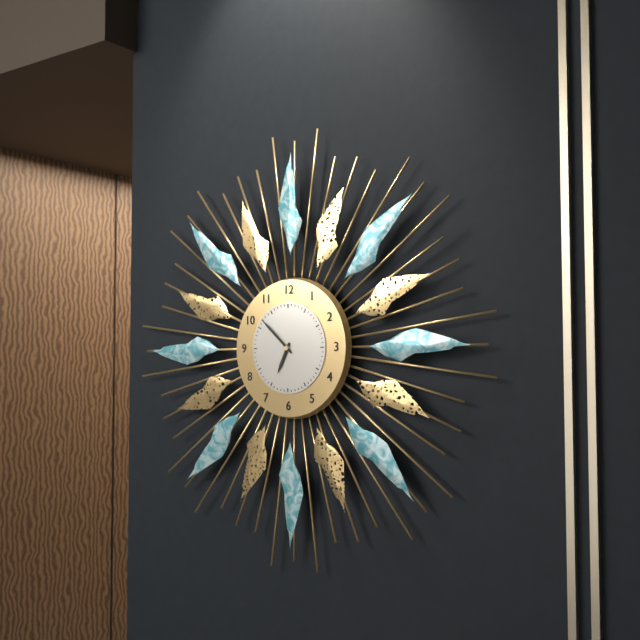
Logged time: 6 h 52 min
